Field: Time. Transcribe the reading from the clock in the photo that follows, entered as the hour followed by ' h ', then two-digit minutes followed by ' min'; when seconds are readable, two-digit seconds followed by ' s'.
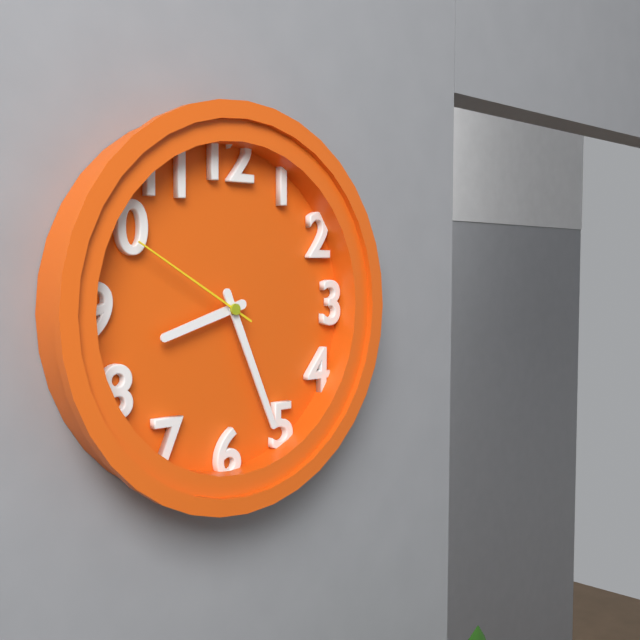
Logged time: 8 h 26 min 50 s
